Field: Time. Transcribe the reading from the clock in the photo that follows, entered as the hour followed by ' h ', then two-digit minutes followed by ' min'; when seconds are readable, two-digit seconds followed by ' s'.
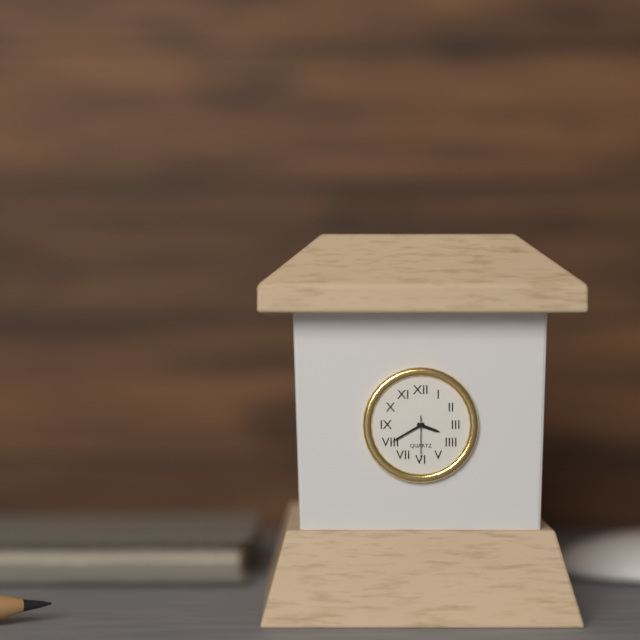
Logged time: 3 h 40 min
